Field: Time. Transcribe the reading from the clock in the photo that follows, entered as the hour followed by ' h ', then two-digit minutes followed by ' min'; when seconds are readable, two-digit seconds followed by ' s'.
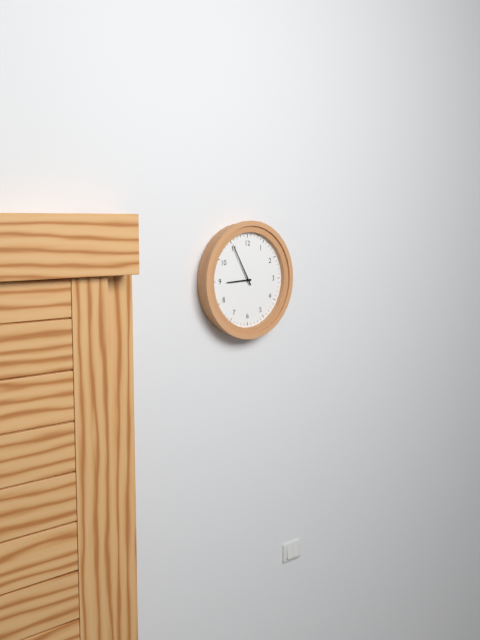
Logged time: 8 h 55 min
